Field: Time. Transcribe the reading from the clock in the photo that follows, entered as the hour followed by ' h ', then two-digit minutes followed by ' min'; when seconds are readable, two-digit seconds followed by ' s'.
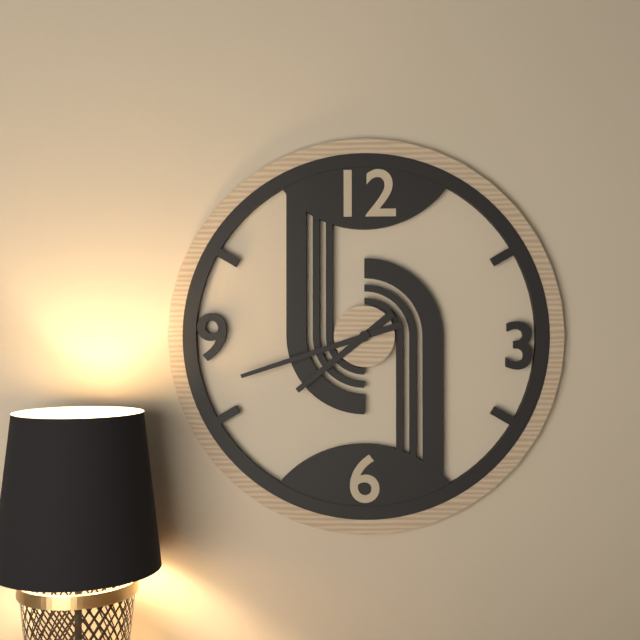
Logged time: 7 h 42 min
